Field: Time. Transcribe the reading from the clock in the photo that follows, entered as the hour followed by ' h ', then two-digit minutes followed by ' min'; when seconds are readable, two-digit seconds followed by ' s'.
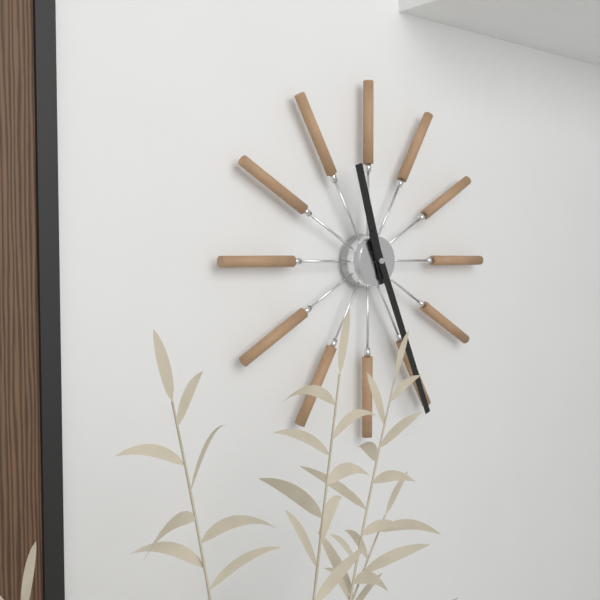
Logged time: 11 h 26 min
